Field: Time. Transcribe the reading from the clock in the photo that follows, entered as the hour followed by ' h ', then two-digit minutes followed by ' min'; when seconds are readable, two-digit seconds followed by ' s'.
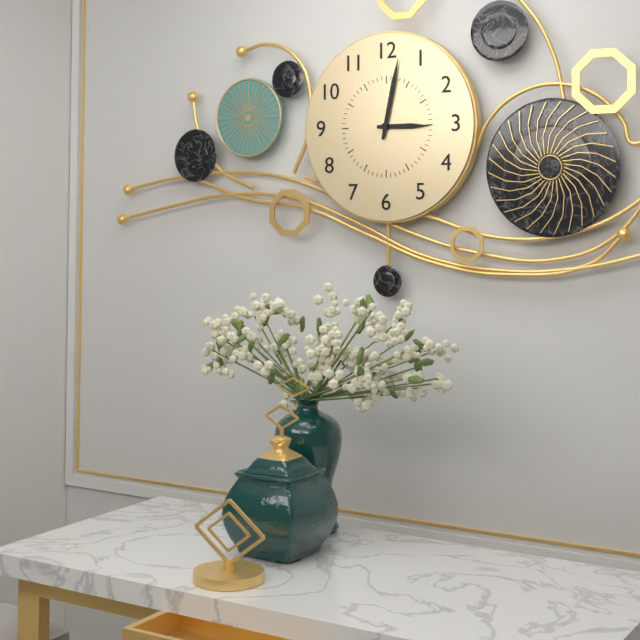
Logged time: 3 h 02 min
